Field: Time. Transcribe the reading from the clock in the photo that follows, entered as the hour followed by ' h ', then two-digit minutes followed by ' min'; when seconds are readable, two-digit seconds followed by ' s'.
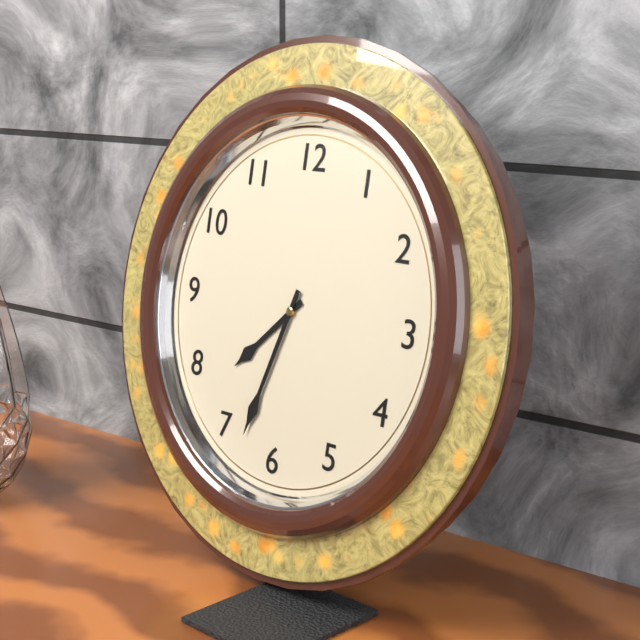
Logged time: 7 h 33 min
